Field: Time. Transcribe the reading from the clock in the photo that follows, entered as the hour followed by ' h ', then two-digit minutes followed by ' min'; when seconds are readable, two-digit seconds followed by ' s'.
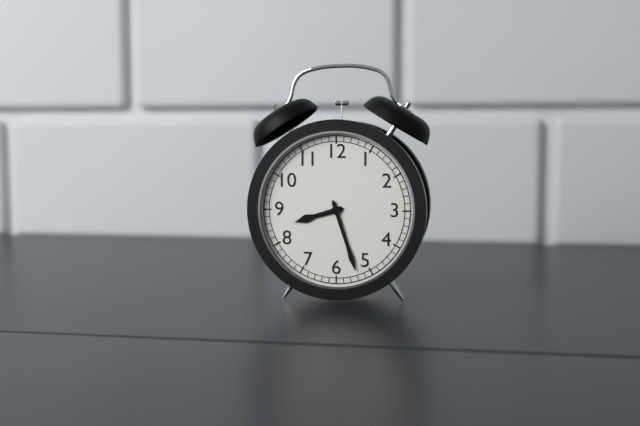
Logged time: 8 h 27 min
